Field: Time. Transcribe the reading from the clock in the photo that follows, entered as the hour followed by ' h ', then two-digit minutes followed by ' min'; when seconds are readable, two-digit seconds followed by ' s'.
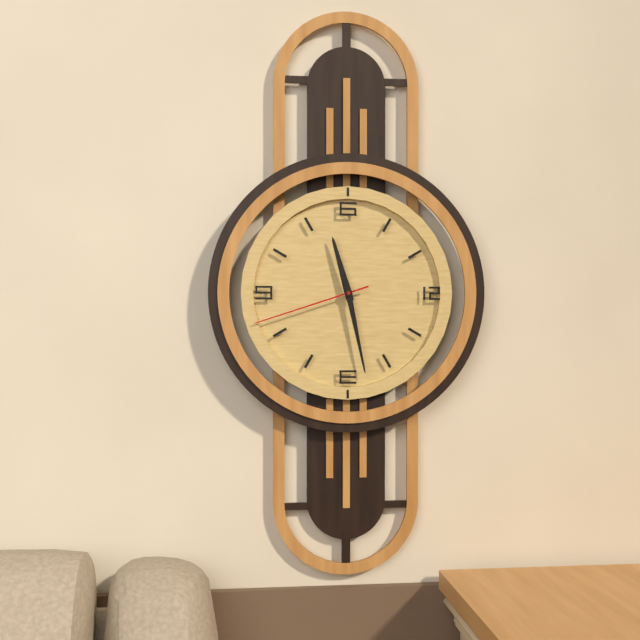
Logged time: 11 h 28 min 42 s
